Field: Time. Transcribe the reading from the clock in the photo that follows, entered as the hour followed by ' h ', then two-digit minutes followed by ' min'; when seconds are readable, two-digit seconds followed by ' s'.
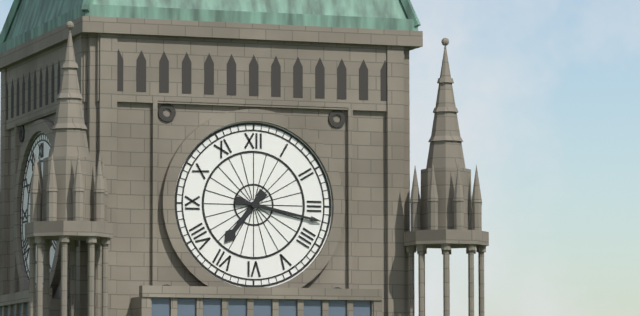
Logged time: 7 h 17 min
